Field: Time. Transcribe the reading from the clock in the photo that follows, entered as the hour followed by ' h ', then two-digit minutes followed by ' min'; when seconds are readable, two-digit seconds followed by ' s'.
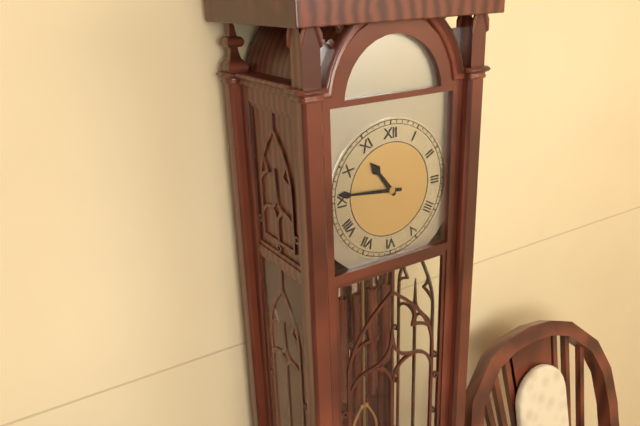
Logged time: 10 h 46 min
